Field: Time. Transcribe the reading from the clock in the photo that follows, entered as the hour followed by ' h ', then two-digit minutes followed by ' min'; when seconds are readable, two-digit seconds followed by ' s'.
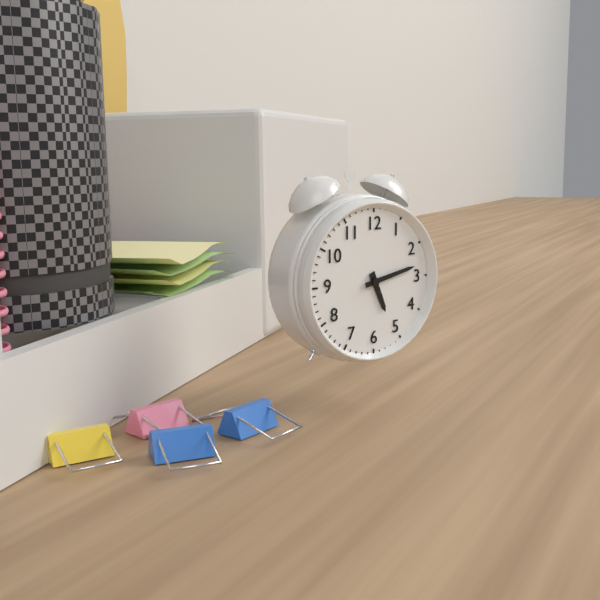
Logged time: 5 h 13 min
